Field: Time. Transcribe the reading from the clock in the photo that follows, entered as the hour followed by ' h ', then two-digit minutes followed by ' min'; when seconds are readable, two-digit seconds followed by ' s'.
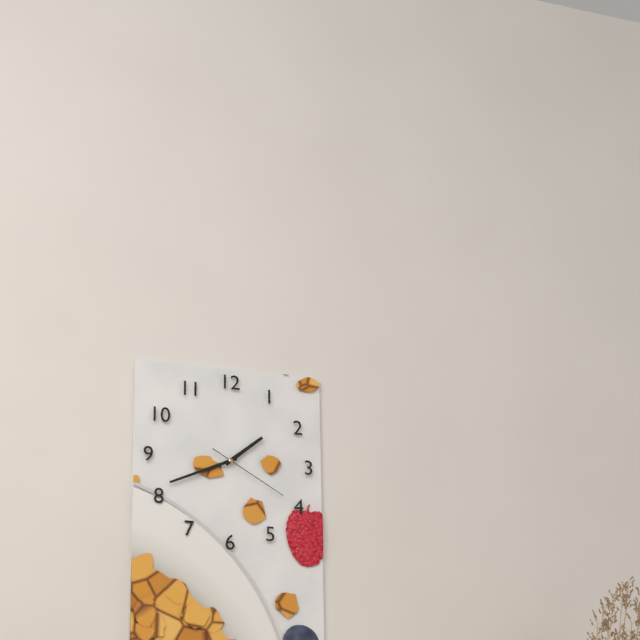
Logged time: 1 h 41 min 20 s
